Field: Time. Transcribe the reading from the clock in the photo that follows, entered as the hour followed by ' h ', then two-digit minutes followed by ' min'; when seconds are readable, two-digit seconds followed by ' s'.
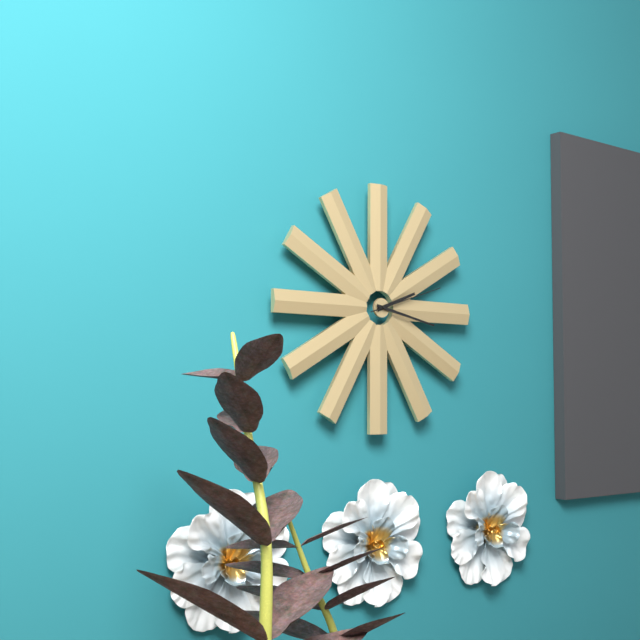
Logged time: 2 h 17 min 12 s
